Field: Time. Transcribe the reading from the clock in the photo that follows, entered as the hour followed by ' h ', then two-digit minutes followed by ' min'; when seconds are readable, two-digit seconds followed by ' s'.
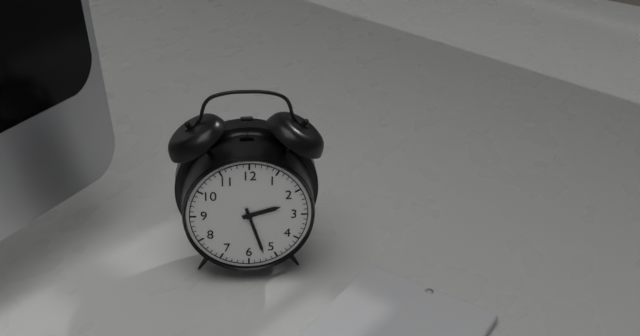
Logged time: 2 h 27 min
